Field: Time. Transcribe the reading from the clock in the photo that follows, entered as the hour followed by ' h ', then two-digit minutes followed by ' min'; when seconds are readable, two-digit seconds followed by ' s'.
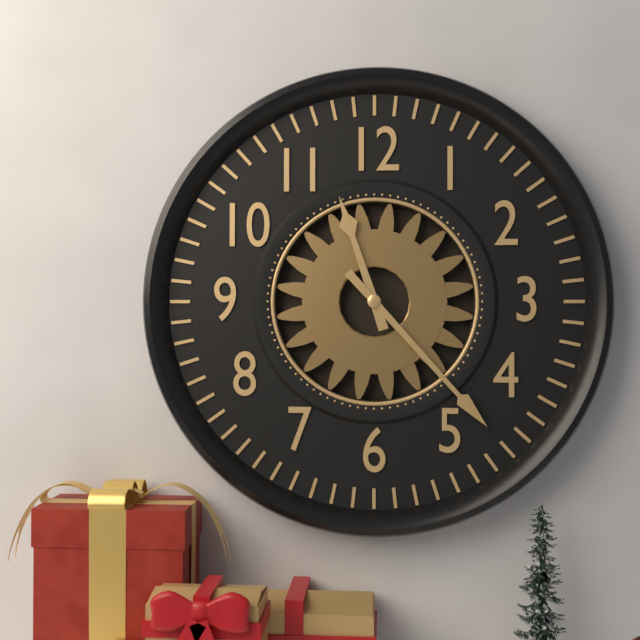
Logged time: 11 h 23 min
